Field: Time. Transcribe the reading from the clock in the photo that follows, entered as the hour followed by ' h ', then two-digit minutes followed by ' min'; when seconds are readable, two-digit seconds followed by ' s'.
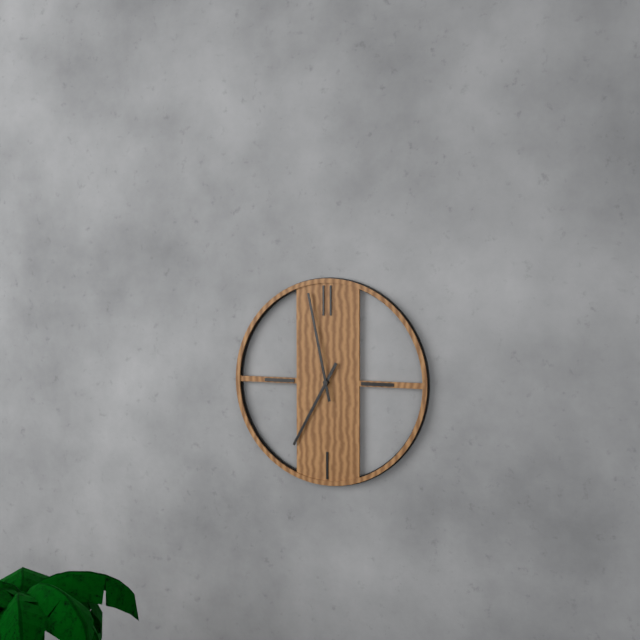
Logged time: 6 h 58 min
